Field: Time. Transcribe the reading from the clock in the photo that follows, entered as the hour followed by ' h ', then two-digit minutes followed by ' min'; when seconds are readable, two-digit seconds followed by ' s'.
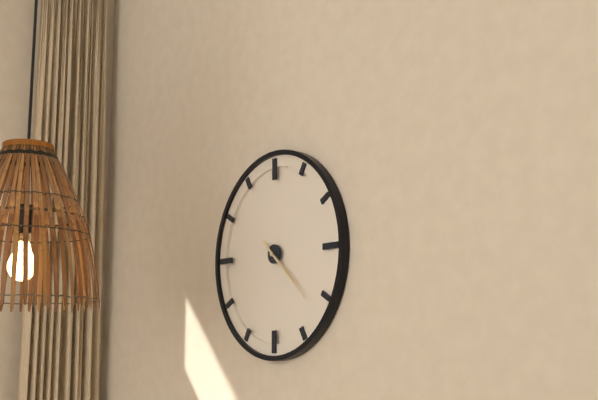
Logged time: 4 h 22 min
